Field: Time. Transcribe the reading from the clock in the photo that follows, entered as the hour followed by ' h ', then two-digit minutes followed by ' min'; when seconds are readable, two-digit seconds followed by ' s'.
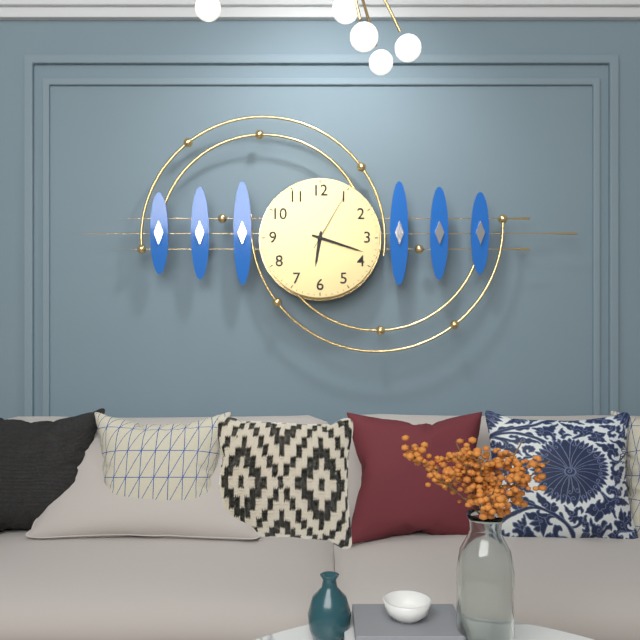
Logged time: 6 h 18 min 05 s
